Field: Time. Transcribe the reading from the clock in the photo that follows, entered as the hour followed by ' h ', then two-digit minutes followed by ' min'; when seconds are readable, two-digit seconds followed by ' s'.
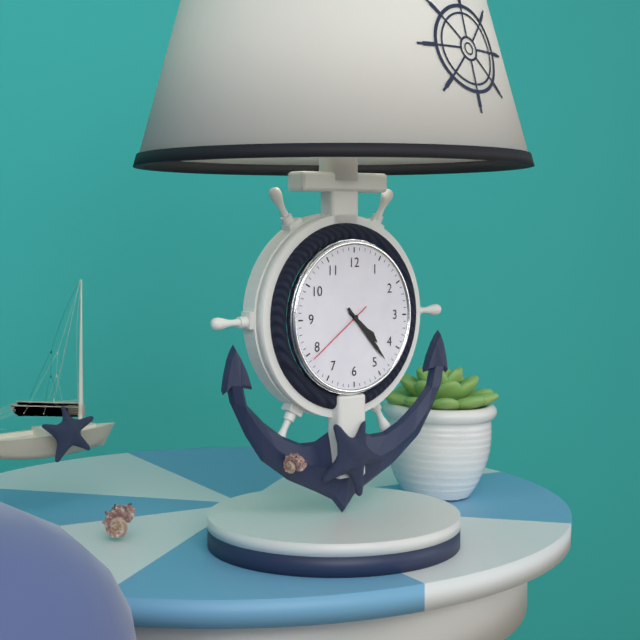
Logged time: 4 h 23 min 39 s
